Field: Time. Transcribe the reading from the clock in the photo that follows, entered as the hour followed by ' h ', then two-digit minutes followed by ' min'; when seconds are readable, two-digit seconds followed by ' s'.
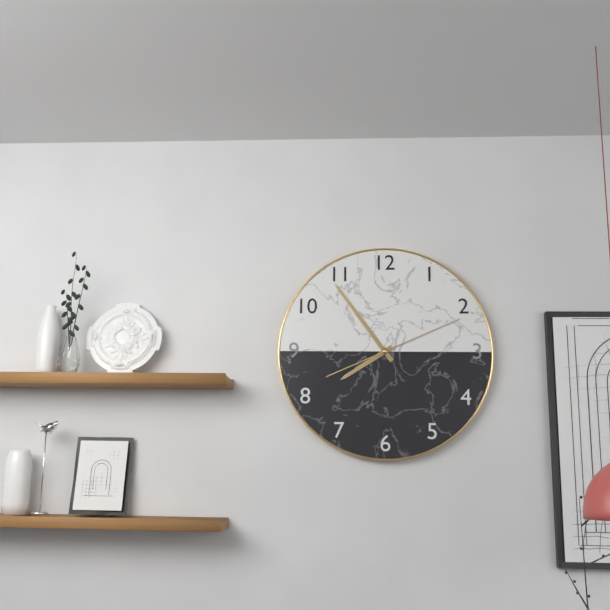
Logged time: 7 h 54 min 11 s
